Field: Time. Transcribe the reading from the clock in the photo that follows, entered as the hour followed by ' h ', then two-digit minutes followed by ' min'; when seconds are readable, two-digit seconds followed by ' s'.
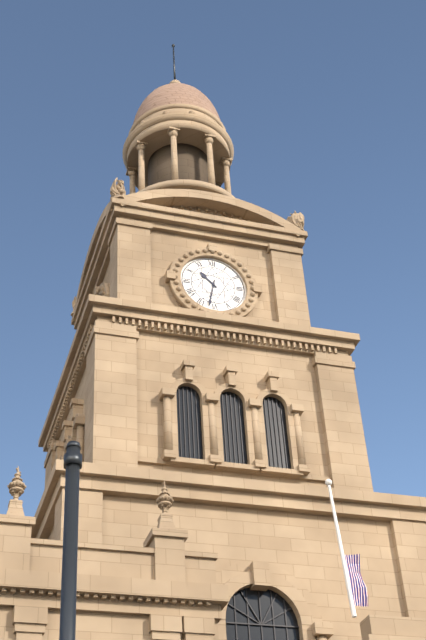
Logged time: 10 h 32 min
